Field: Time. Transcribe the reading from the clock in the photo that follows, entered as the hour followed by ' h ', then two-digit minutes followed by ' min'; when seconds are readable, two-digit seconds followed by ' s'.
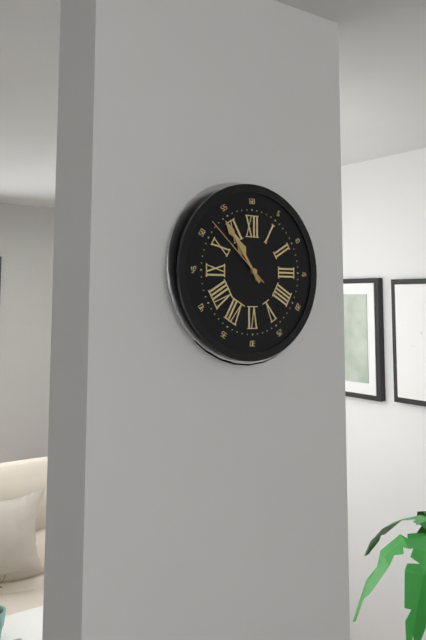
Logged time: 10 h 54 min 52 s
